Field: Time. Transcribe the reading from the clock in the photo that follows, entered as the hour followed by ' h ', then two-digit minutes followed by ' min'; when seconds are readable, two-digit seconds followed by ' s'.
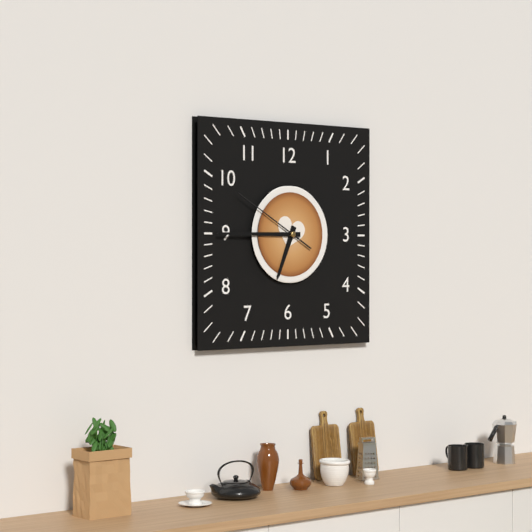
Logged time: 6 h 45 min 50 s
